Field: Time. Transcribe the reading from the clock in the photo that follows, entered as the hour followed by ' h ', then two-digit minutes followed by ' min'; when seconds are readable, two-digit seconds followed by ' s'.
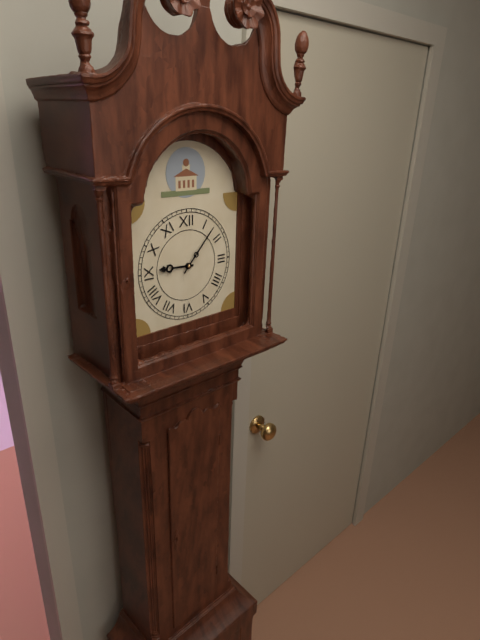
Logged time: 9 h 07 min
